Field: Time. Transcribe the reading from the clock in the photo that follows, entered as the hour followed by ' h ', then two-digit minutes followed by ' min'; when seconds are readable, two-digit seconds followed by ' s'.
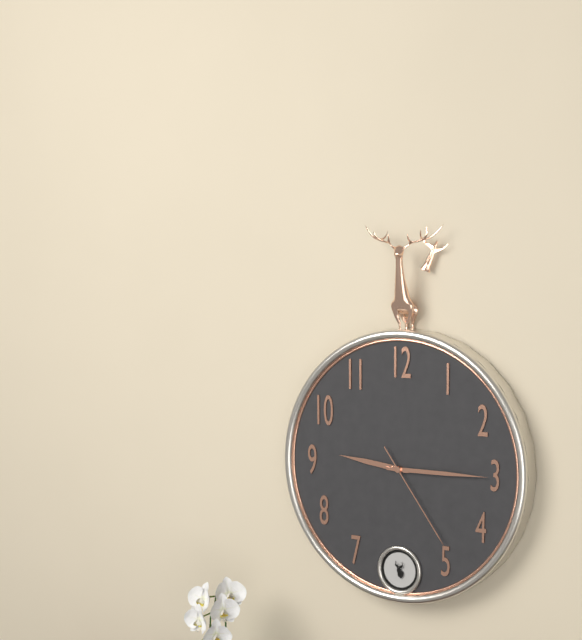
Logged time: 9 h 15 min 24 s
